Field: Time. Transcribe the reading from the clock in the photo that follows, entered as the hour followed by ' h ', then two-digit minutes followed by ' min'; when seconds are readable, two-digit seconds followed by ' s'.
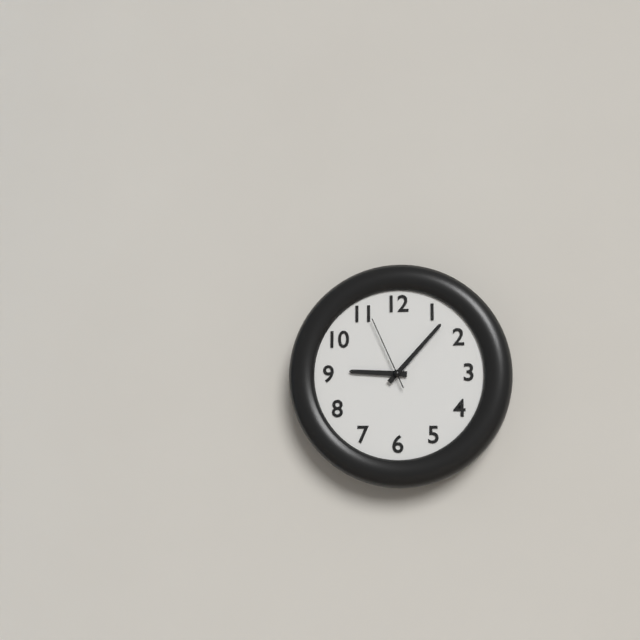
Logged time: 9 h 07 min 56 s
